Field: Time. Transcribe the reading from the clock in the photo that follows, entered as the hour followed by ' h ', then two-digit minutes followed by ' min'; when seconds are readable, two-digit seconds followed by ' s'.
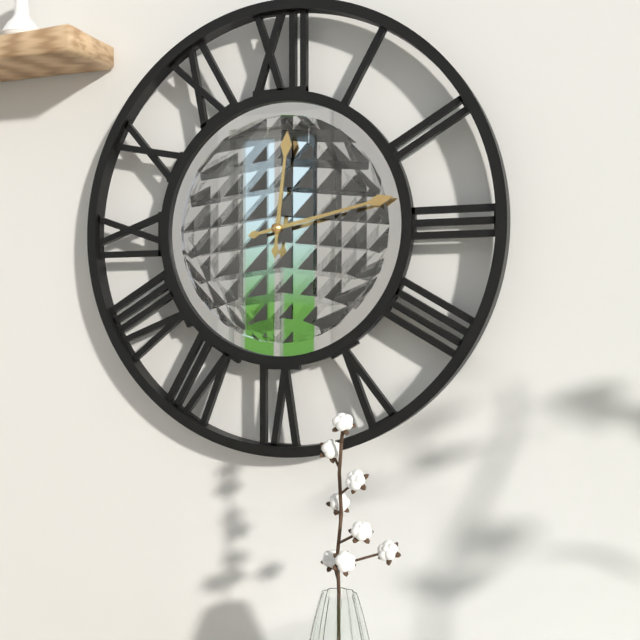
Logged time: 12 h 13 min
